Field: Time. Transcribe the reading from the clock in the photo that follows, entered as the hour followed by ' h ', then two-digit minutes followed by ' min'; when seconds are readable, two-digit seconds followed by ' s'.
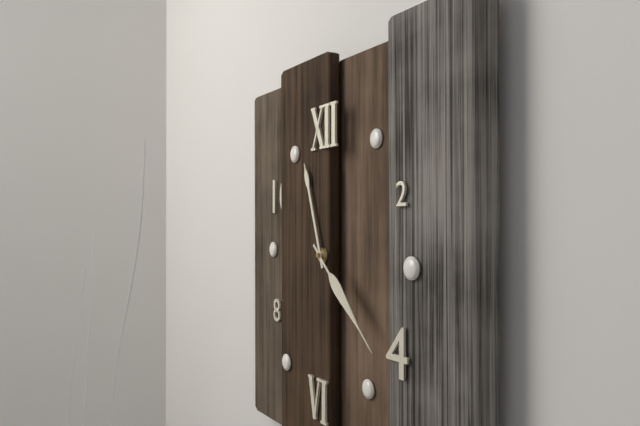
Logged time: 11 h 22 min
